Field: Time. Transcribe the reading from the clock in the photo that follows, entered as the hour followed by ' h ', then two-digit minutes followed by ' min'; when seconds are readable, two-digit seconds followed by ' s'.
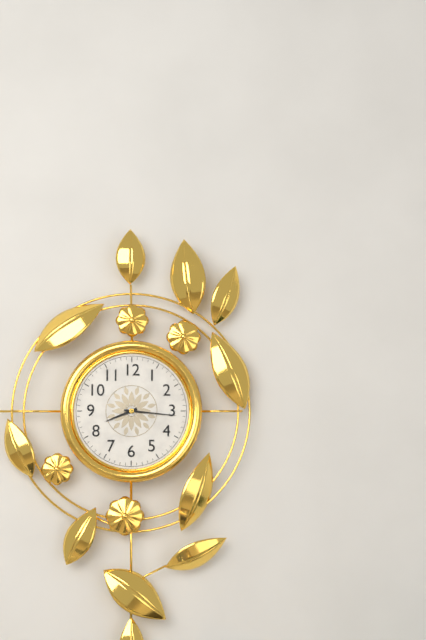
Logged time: 8 h 16 min
